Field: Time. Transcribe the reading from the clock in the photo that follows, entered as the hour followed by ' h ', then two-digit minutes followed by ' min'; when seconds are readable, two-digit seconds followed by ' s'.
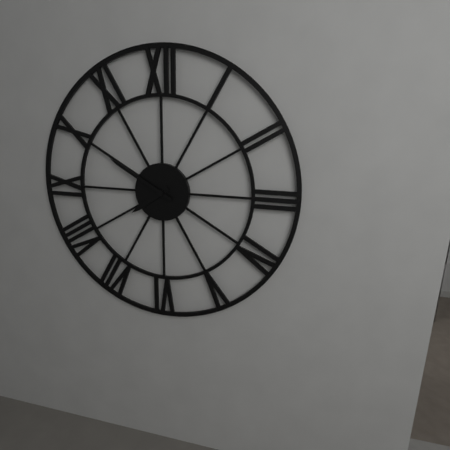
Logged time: 7 h 50 min
